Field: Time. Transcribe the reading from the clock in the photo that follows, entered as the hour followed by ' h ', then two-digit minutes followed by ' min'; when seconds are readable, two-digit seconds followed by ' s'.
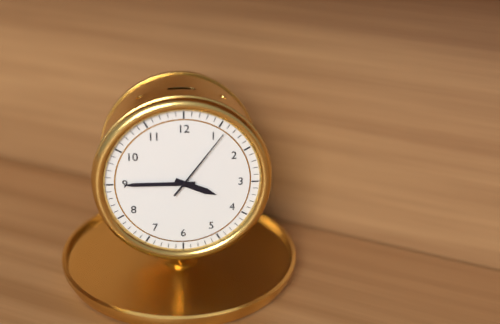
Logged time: 3 h 45 min 06 s
